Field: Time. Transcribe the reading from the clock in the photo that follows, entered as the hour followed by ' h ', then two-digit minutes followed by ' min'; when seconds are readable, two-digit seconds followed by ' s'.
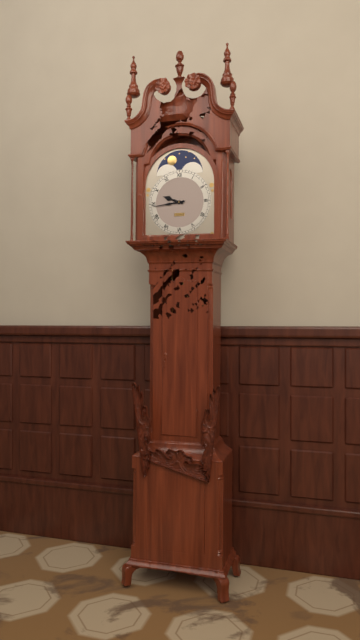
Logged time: 9 h 44 min
